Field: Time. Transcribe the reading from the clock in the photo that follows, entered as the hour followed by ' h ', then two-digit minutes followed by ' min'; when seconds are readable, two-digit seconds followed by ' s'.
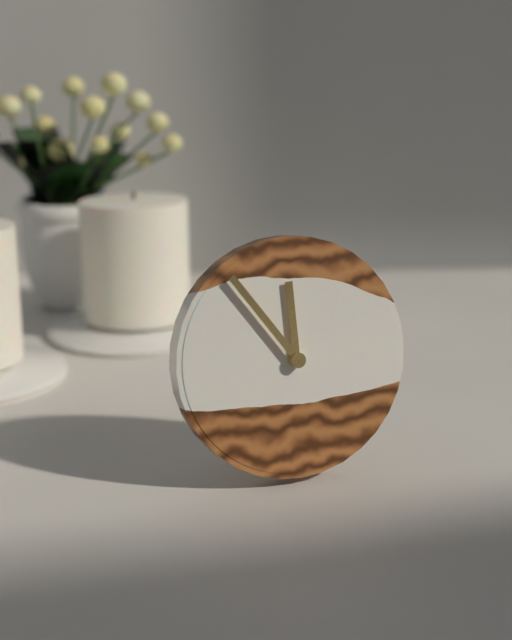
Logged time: 11 h 54 min
